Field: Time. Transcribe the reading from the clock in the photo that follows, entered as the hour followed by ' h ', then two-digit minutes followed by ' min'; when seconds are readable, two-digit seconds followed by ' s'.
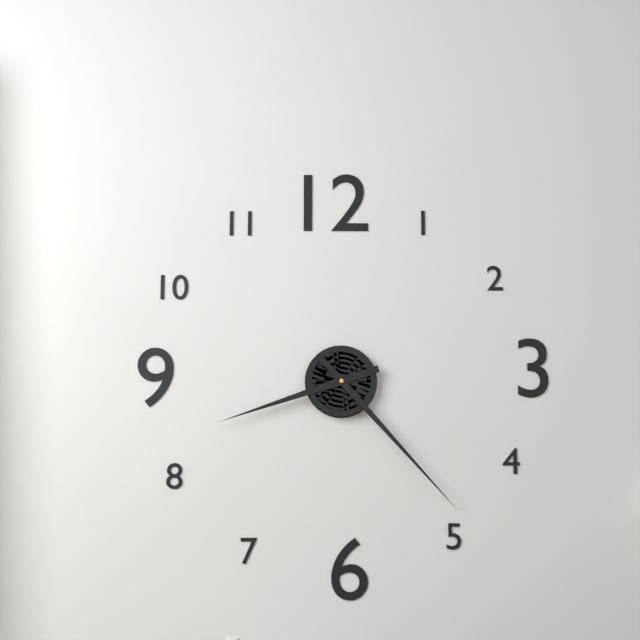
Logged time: 8 h 23 min
